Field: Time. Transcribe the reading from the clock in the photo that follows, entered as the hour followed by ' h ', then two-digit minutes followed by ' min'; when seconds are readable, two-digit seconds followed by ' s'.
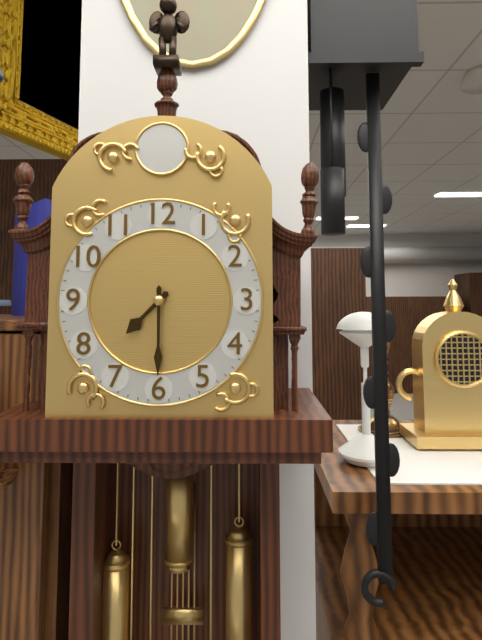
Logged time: 7 h 30 min
